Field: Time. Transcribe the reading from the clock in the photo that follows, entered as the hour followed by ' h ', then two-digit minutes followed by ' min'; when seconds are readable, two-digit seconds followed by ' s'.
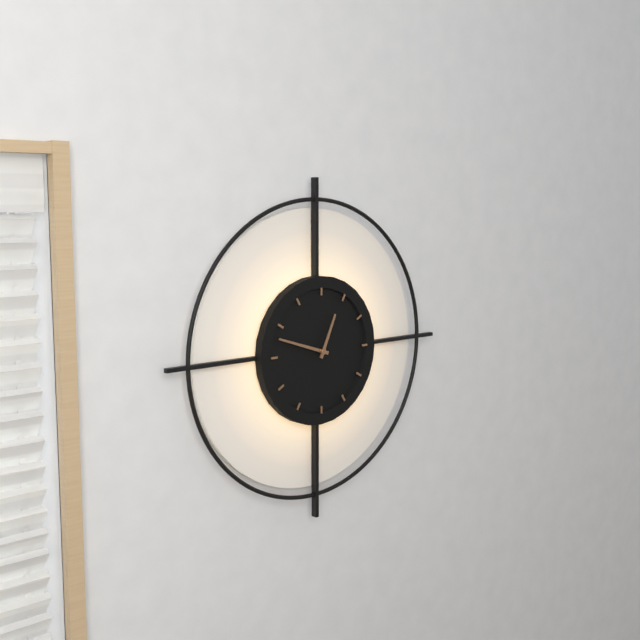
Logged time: 12 h 48 min
